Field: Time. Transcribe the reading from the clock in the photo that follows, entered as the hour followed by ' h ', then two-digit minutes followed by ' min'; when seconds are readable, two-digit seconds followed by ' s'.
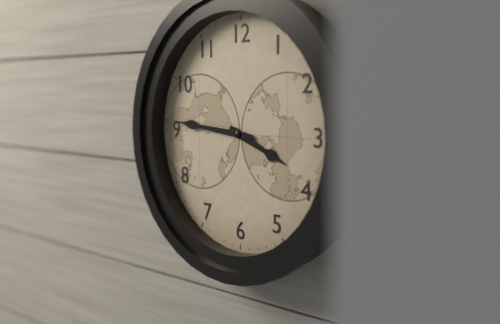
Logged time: 3 h 46 min
